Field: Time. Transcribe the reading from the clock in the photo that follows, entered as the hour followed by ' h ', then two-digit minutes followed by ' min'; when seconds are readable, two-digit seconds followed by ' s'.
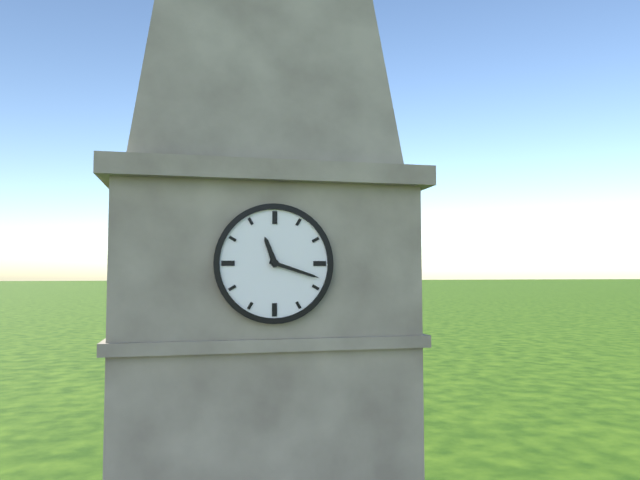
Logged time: 11 h 18 min
